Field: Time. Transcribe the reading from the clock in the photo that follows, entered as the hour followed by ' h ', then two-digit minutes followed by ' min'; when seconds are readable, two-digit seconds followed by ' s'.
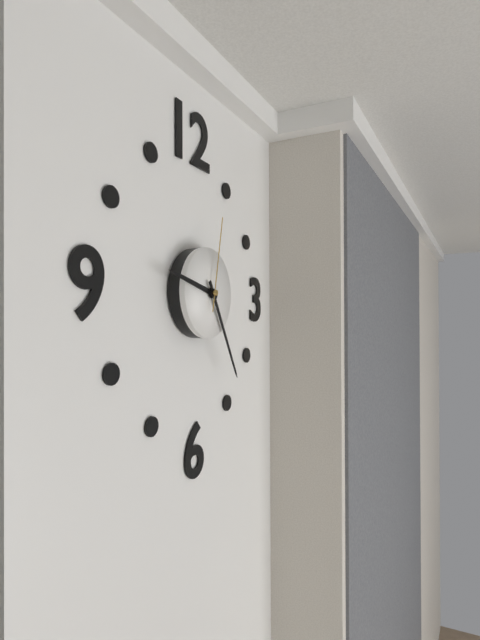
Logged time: 9 h 25 min 02 s
